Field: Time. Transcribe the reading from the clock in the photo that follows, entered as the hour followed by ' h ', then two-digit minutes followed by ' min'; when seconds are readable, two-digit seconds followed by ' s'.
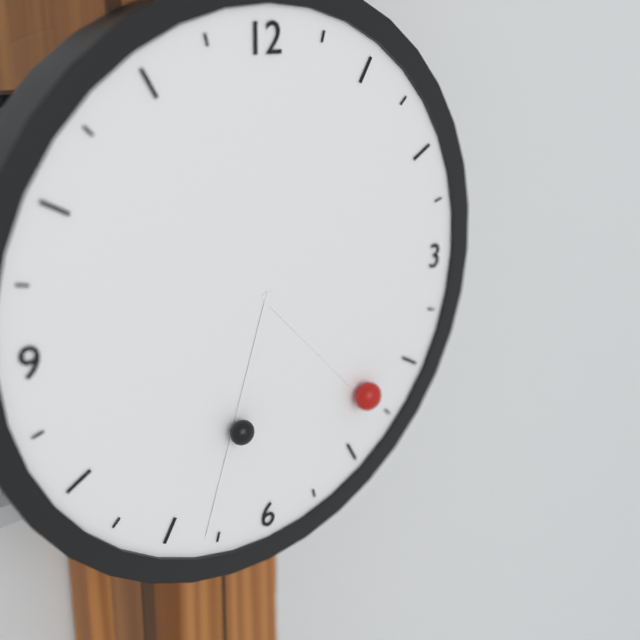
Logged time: 4 h 33 min
